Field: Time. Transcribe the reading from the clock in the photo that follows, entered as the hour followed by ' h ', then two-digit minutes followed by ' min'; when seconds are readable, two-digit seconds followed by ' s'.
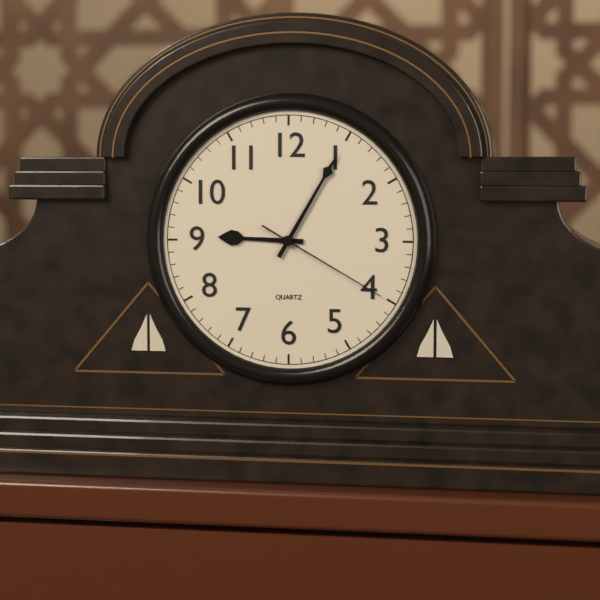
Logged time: 9 h 05 min 20 s
